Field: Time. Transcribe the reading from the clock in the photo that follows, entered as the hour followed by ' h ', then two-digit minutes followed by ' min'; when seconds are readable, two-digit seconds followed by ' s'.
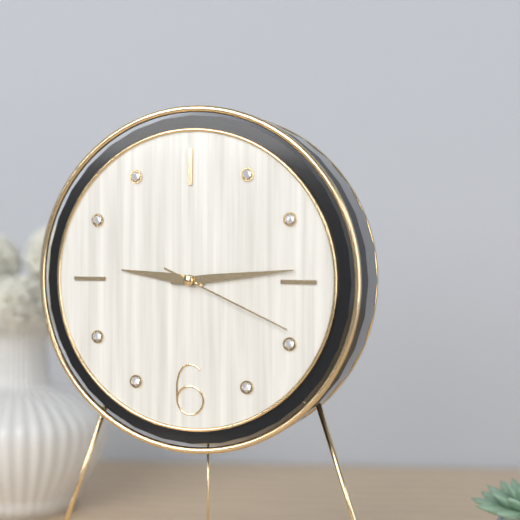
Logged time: 9 h 14 min 19 s
